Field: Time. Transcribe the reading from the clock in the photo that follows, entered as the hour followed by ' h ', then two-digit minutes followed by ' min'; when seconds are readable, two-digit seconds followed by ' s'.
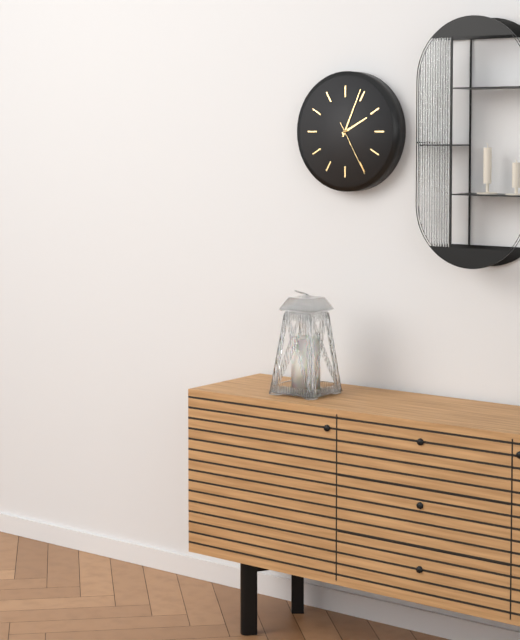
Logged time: 2 h 04 min 25 s
